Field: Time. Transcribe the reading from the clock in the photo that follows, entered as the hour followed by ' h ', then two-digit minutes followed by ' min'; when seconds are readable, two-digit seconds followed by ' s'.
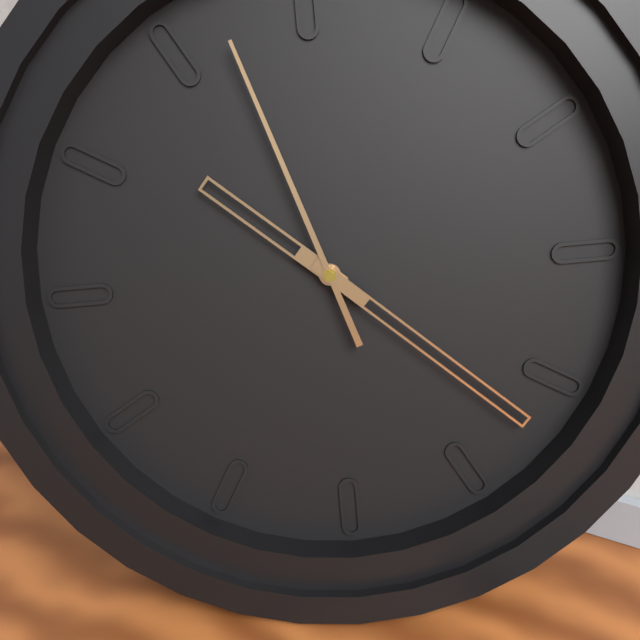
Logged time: 10 h 22 min 57 s
